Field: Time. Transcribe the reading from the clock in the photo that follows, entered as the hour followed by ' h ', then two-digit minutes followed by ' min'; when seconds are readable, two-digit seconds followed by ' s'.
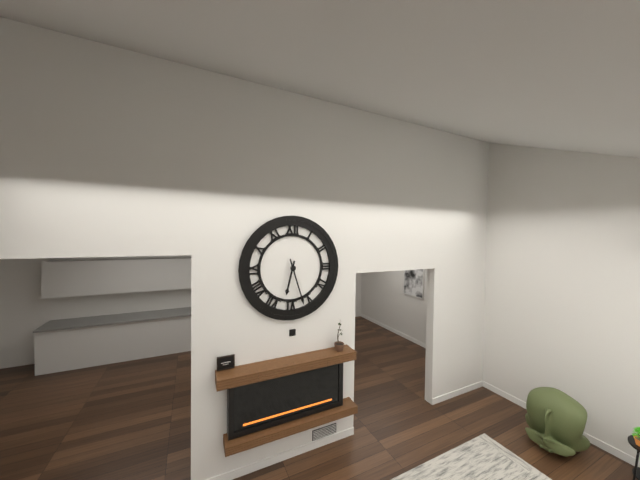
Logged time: 6 h 27 min
